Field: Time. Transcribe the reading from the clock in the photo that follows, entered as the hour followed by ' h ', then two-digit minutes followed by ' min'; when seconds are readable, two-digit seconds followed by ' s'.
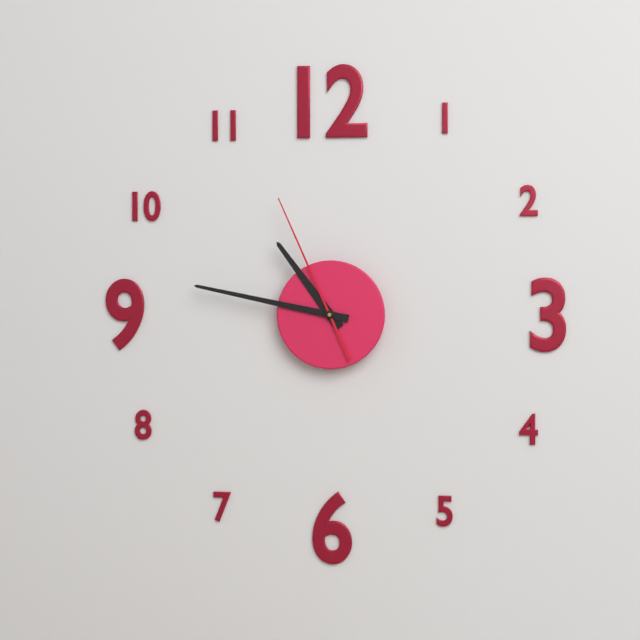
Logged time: 10 h 47 min 56 s
